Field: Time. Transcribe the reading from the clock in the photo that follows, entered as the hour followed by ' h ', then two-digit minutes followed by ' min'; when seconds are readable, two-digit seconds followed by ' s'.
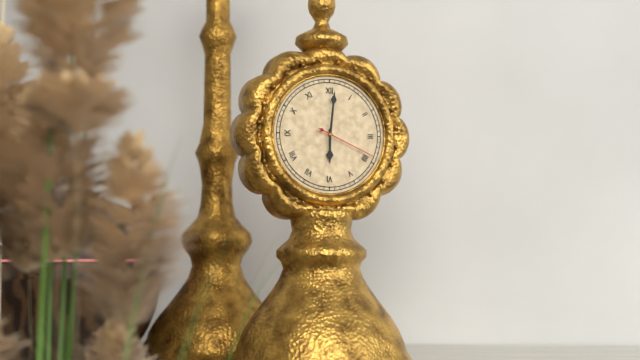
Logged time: 6 h 01 min 19 s
